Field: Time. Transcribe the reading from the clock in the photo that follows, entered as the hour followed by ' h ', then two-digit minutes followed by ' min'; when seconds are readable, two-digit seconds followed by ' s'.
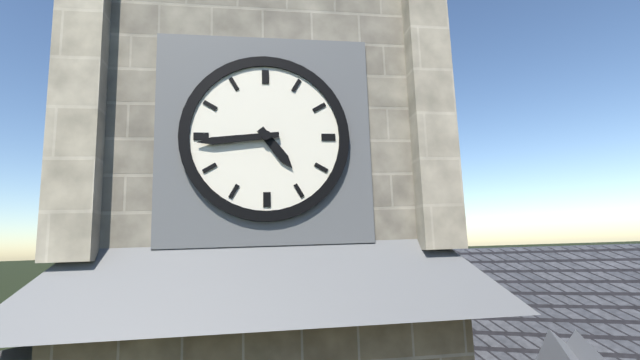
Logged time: 4 h 44 min
